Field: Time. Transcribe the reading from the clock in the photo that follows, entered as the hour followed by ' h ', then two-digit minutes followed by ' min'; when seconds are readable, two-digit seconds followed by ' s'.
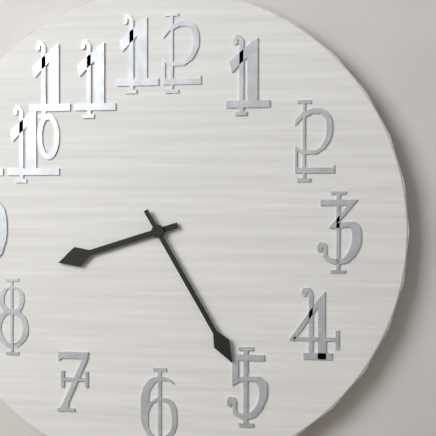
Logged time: 8 h 25 min
